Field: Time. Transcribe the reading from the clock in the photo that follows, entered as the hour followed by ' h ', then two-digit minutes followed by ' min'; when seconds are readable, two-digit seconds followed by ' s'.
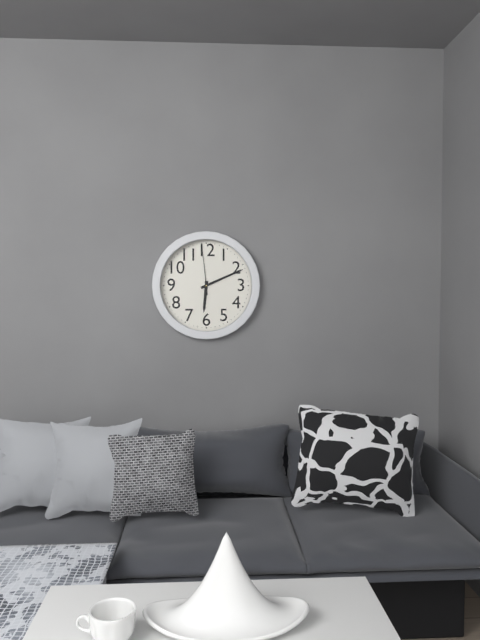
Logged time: 6 h 11 min
